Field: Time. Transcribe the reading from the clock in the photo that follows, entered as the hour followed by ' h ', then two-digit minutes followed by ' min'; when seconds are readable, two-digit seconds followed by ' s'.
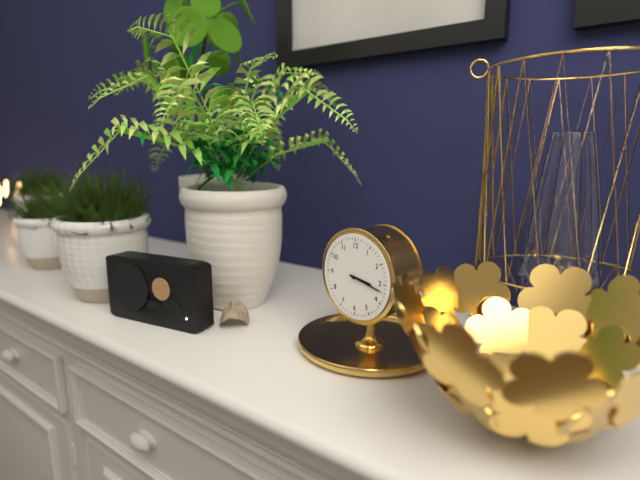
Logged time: 3 h 17 min
